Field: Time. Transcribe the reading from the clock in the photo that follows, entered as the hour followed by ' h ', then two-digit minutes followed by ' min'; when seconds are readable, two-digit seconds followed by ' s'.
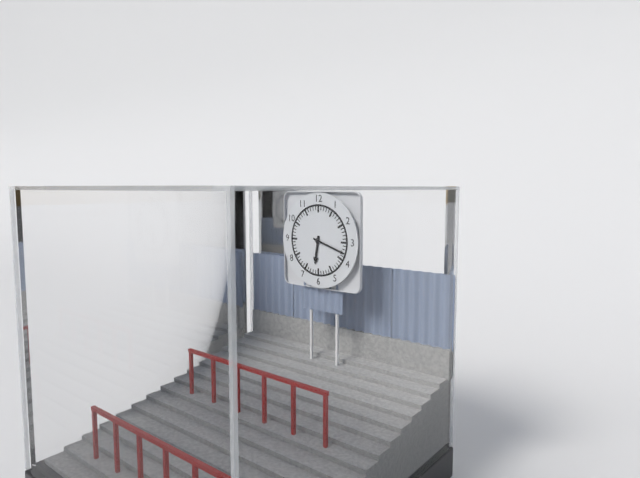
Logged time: 6 h 18 min
